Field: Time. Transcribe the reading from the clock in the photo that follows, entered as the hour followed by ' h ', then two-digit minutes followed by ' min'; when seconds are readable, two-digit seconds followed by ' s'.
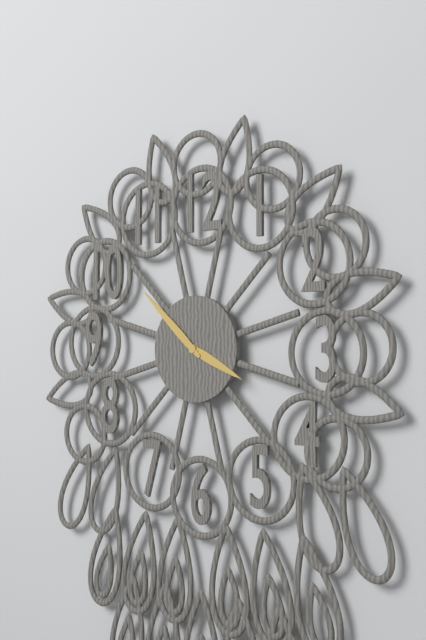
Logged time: 3 h 52 min
